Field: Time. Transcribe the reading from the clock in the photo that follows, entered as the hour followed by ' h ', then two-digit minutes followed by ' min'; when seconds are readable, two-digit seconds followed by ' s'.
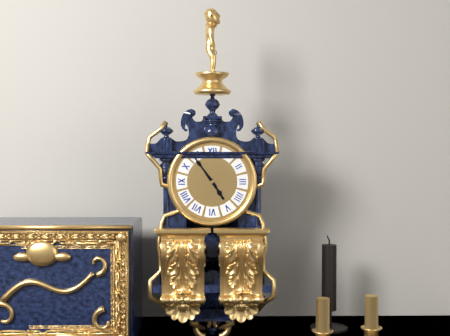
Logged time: 4 h 54 min
